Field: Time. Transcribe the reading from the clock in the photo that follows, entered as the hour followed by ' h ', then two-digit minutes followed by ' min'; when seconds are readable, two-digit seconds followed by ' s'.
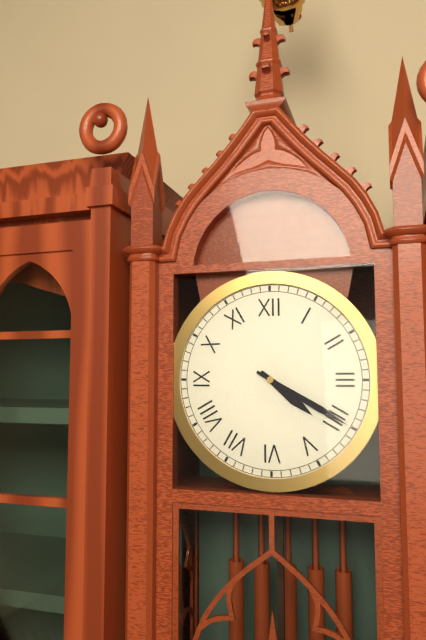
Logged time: 4 h 20 min
